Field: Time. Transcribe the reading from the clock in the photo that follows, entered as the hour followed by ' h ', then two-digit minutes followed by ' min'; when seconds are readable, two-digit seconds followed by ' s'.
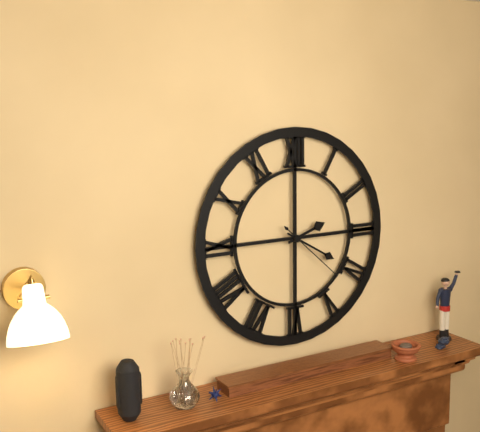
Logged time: 2 h 20 min 22 s
